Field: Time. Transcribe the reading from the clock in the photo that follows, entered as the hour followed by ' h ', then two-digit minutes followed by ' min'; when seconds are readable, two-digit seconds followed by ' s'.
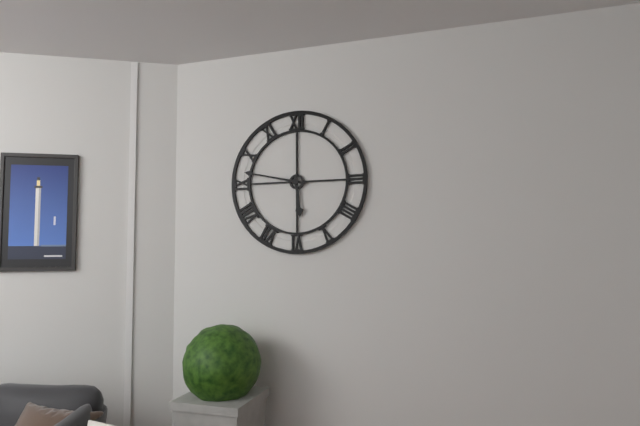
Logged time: 5 h 47 min
